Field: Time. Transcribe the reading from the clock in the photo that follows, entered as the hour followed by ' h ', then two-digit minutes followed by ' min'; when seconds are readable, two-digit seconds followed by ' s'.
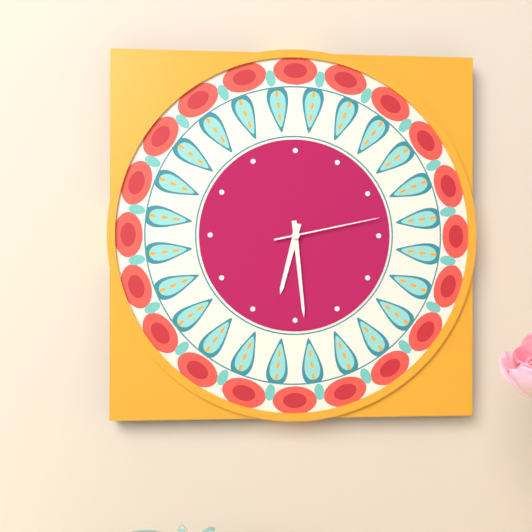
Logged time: 6 h 29 min 13 s
